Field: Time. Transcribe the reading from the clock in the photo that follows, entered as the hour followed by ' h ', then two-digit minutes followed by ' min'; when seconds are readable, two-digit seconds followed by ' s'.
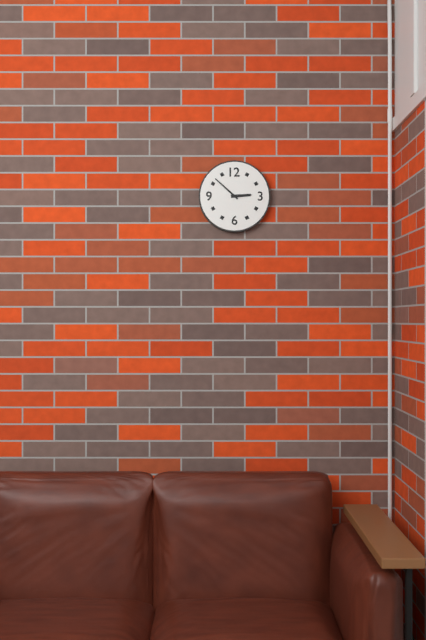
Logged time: 2 h 52 min
